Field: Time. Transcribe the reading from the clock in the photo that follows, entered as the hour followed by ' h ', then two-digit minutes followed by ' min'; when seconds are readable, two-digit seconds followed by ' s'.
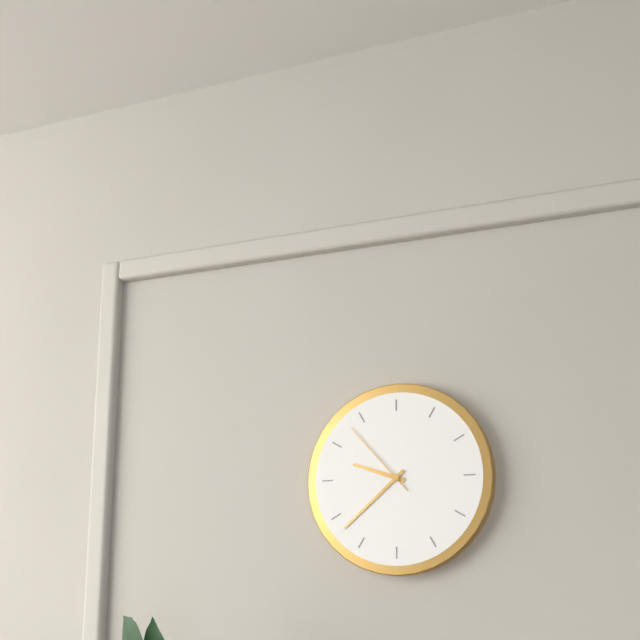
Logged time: 9 h 38 min 53 s
